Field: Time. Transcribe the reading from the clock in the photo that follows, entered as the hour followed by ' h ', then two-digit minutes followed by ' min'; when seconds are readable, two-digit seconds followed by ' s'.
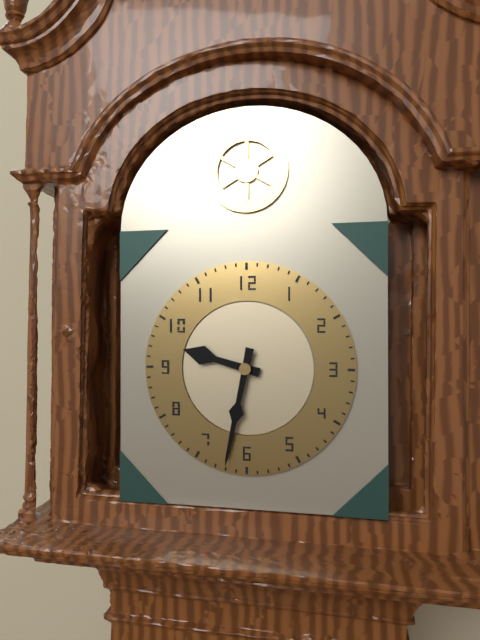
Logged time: 9 h 32 min
